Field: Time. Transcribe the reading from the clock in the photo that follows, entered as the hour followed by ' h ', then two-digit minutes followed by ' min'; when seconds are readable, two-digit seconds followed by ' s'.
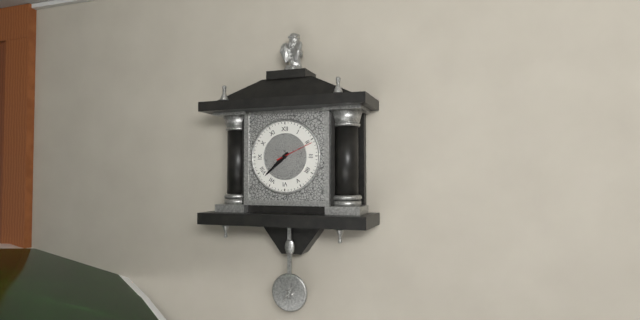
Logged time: 7 h 38 min
